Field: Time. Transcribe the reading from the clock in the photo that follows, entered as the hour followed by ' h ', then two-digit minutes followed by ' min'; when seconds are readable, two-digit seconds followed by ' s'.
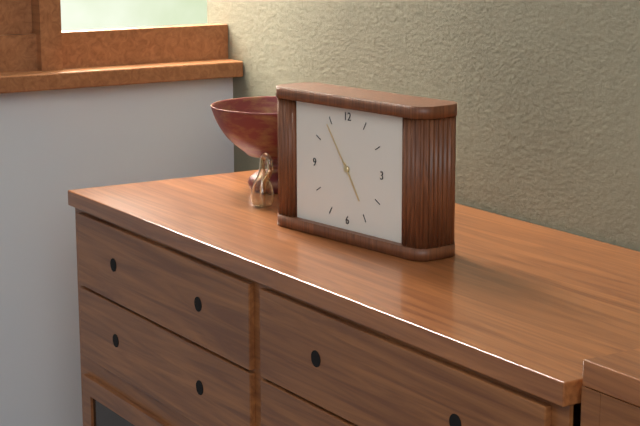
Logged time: 4 h 54 min
